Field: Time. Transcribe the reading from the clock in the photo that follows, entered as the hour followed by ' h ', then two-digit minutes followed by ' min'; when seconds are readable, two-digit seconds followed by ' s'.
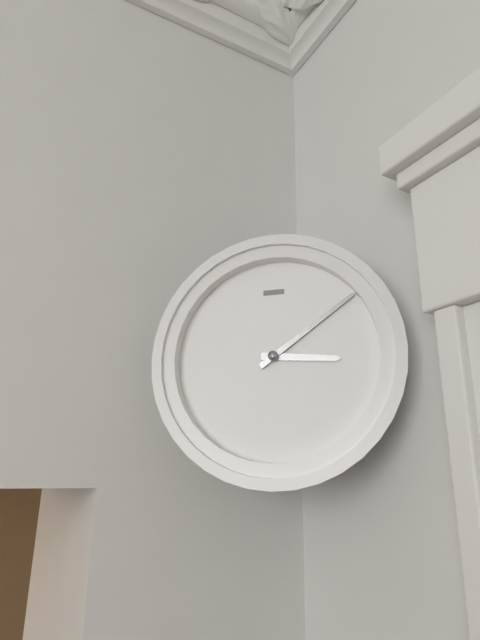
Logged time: 3 h 09 min
